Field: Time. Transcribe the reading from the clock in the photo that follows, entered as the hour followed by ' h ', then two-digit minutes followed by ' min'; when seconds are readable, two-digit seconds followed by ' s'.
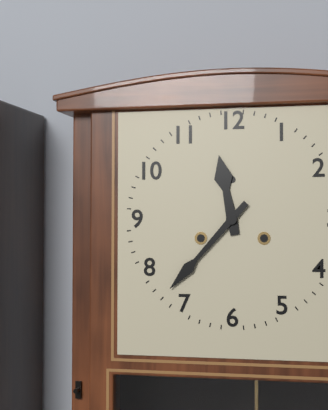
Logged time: 11 h 37 min
